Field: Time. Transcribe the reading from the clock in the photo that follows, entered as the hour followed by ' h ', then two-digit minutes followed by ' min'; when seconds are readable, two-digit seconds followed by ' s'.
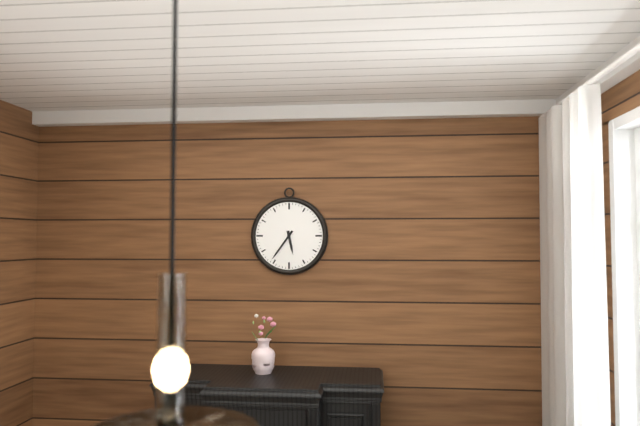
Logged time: 5 h 36 min
